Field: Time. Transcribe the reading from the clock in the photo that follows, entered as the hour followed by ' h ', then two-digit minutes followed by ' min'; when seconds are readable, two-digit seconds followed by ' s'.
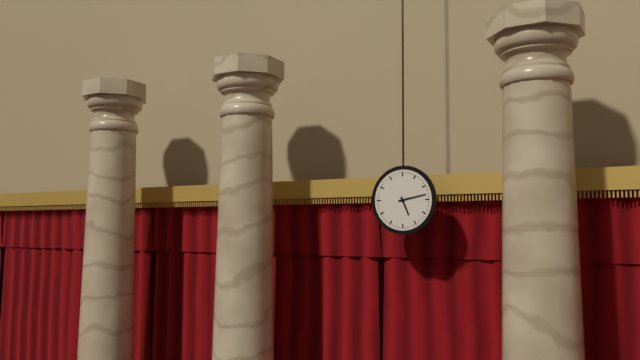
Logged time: 5 h 13 min
